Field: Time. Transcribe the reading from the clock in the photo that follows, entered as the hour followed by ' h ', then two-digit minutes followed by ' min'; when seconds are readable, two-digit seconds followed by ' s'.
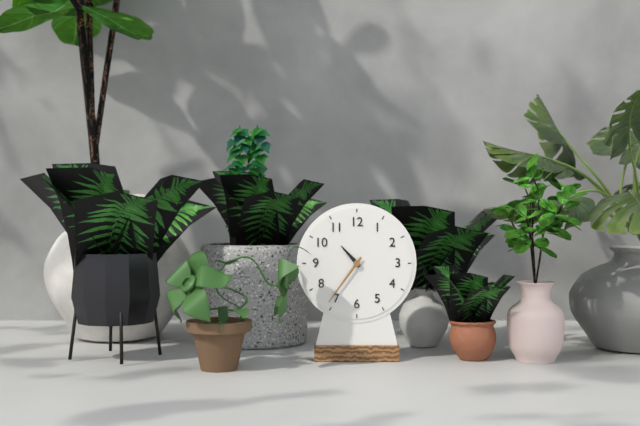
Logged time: 10 h 36 min
